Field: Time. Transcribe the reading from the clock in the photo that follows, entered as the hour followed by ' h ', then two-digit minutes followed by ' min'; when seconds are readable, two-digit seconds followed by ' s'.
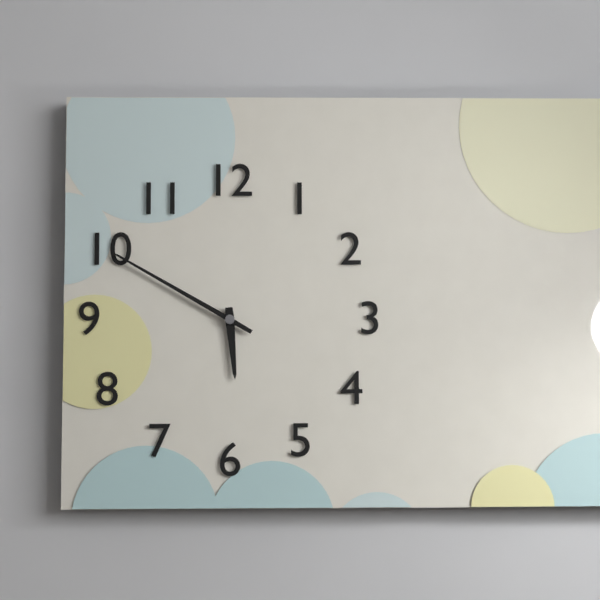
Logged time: 5 h 50 min
